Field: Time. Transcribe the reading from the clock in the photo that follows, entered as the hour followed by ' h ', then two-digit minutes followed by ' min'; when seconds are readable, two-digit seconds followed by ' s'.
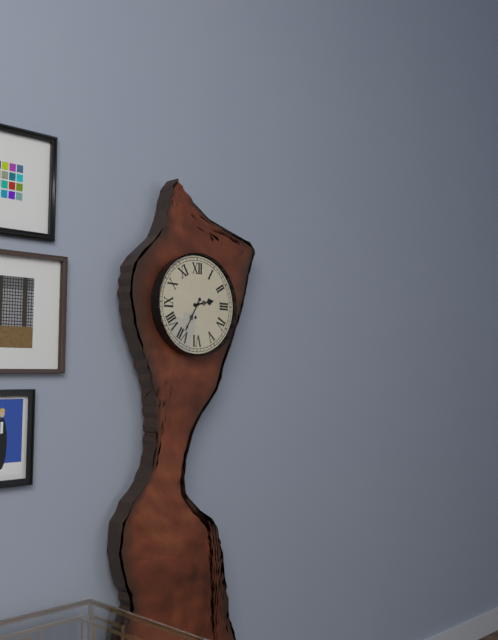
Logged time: 2 h 35 min
